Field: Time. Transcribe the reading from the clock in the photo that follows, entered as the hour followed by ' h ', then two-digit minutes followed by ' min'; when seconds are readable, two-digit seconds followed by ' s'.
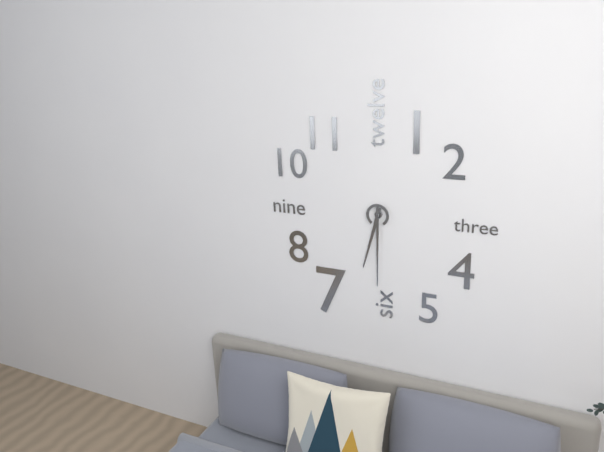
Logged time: 6 h 30 min
